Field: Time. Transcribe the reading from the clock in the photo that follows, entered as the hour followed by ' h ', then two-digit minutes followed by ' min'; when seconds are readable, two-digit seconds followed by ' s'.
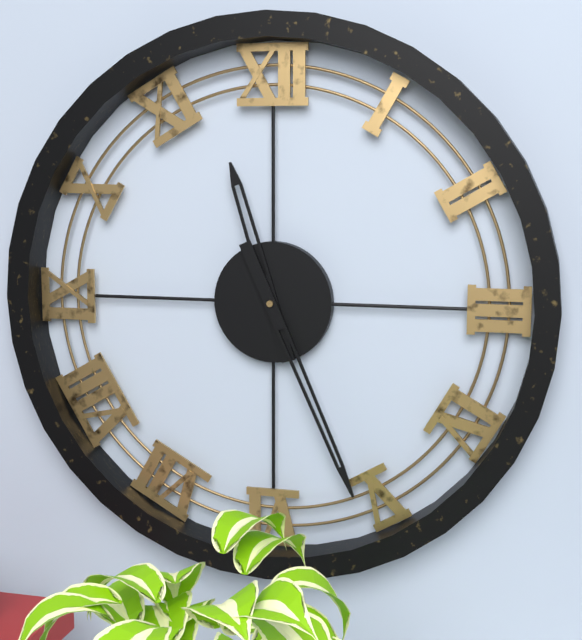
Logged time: 11 h 26 min
